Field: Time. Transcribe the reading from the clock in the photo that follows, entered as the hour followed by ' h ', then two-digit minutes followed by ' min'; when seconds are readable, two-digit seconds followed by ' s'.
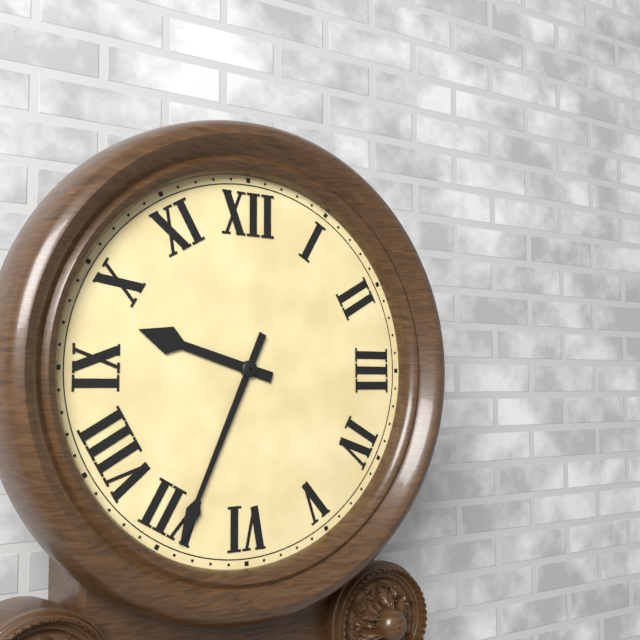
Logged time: 9 h 34 min
